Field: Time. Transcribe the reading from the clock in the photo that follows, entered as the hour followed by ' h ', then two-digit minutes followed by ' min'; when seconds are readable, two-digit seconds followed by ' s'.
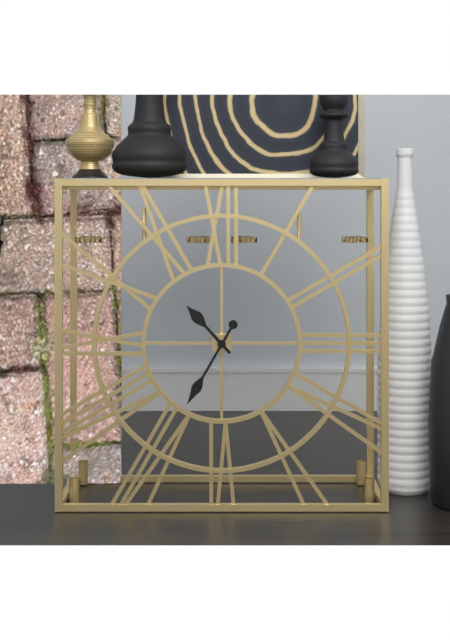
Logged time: 10 h 35 min
